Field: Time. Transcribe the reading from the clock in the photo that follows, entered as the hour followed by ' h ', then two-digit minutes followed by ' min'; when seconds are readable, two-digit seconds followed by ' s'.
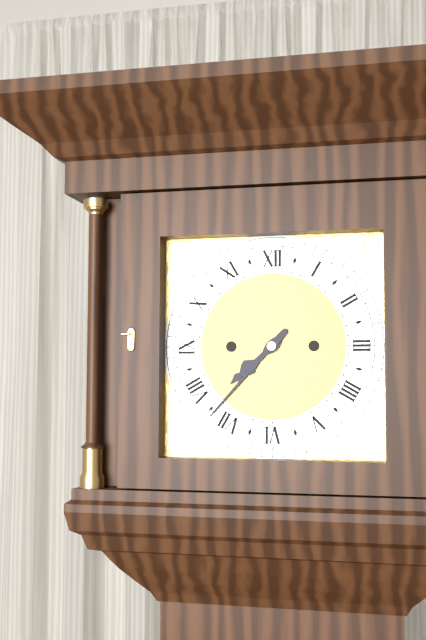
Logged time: 7 h 37 min
